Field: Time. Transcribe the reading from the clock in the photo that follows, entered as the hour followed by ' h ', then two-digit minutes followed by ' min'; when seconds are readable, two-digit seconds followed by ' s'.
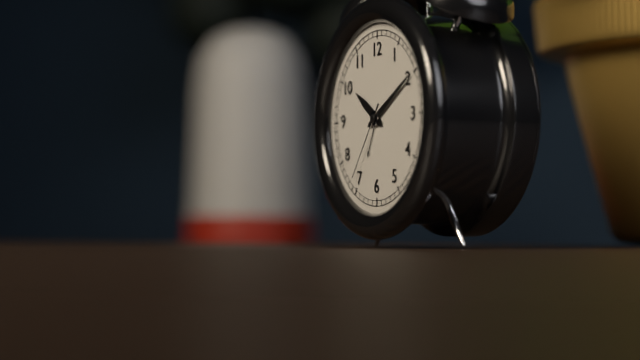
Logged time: 10 h 10 min 36 s
